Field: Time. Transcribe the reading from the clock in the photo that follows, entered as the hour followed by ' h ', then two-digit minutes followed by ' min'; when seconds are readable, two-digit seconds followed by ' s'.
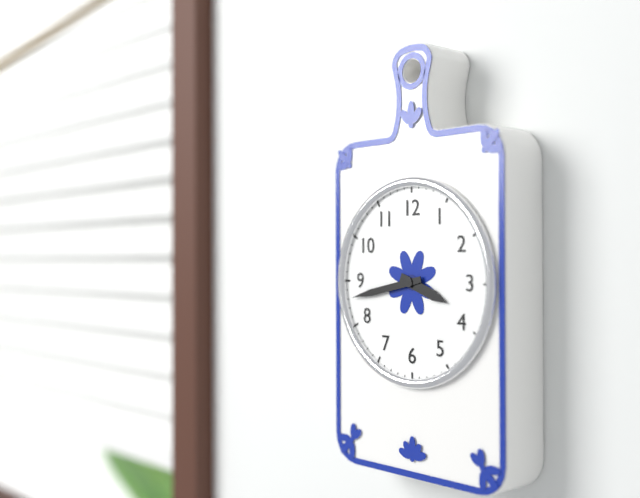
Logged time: 3 h 43 min
